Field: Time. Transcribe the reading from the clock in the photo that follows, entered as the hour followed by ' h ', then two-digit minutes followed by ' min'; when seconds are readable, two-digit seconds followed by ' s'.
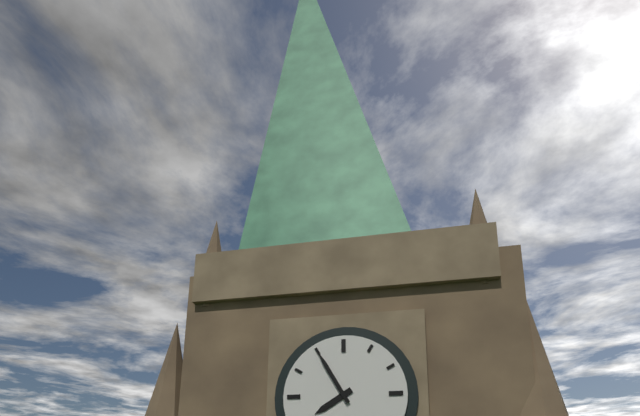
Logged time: 7 h 55 min
